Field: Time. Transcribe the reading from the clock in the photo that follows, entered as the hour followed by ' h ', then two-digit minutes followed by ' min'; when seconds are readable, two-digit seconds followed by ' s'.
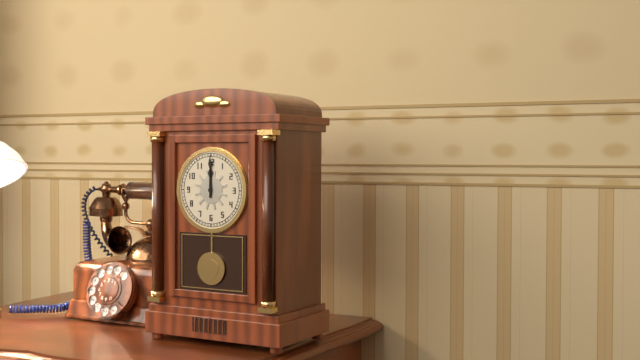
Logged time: 12 h 00 min
